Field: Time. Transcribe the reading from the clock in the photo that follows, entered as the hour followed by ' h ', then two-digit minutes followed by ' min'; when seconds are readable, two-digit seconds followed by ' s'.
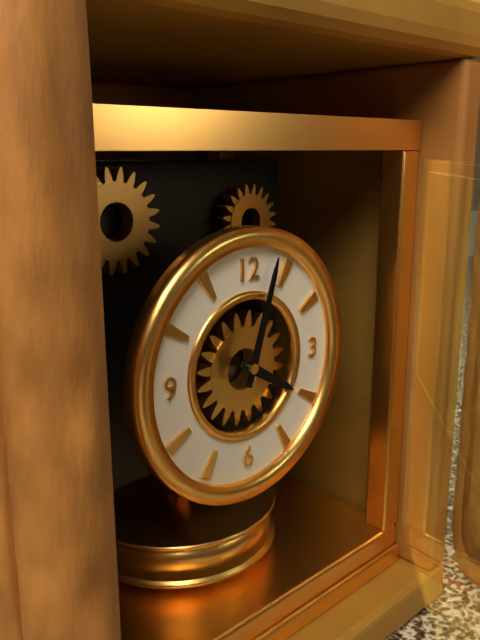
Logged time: 4 h 03 min
